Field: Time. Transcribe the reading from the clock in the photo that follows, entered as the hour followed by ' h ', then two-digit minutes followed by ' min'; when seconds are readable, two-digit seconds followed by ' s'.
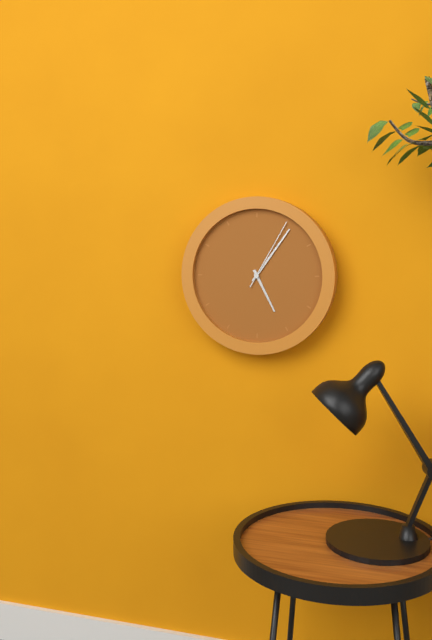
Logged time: 5 h 06 min 05 s
